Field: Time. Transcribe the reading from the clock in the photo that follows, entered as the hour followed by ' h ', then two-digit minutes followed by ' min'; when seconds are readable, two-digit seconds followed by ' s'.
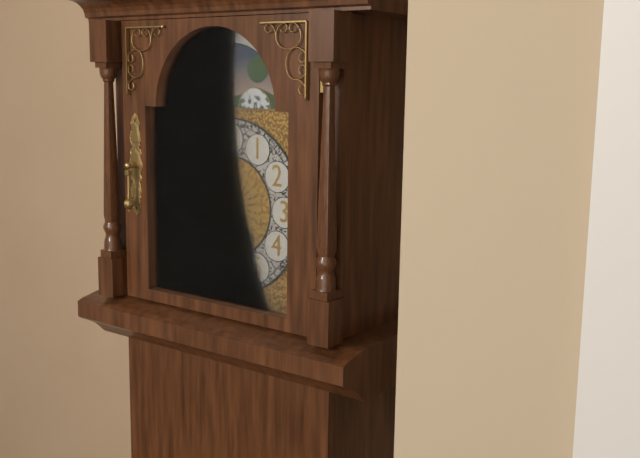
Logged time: 4 h 54 min
